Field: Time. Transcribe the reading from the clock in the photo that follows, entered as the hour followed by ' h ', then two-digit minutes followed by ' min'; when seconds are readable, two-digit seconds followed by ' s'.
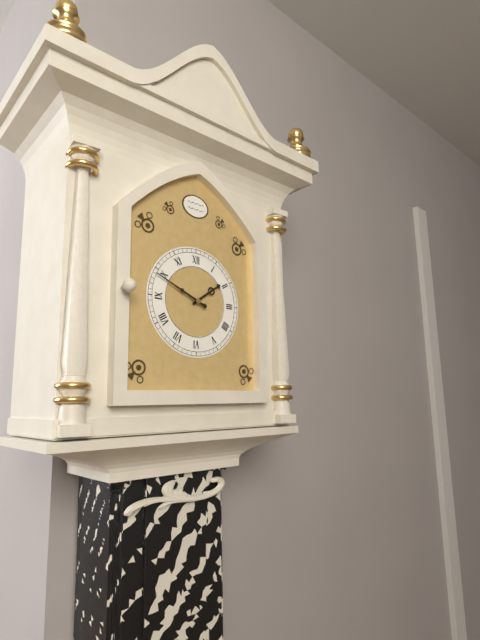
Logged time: 1 h 49 min
